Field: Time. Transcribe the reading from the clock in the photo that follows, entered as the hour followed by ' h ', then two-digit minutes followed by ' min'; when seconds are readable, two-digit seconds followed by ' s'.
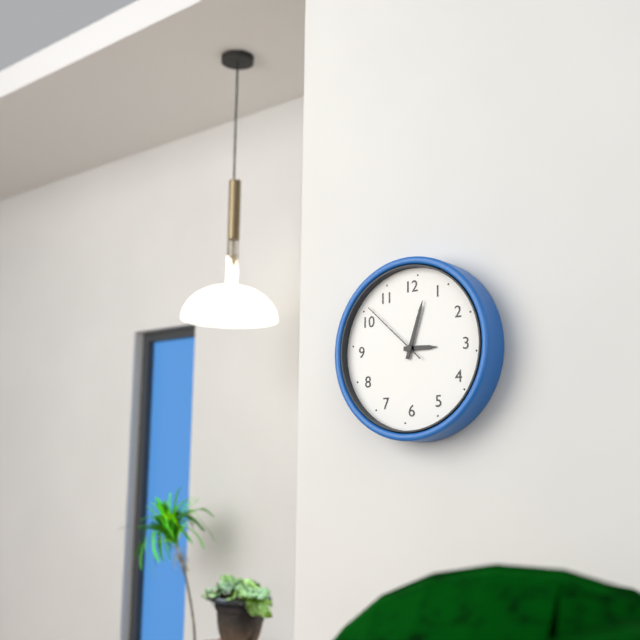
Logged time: 3 h 03 min 52 s
